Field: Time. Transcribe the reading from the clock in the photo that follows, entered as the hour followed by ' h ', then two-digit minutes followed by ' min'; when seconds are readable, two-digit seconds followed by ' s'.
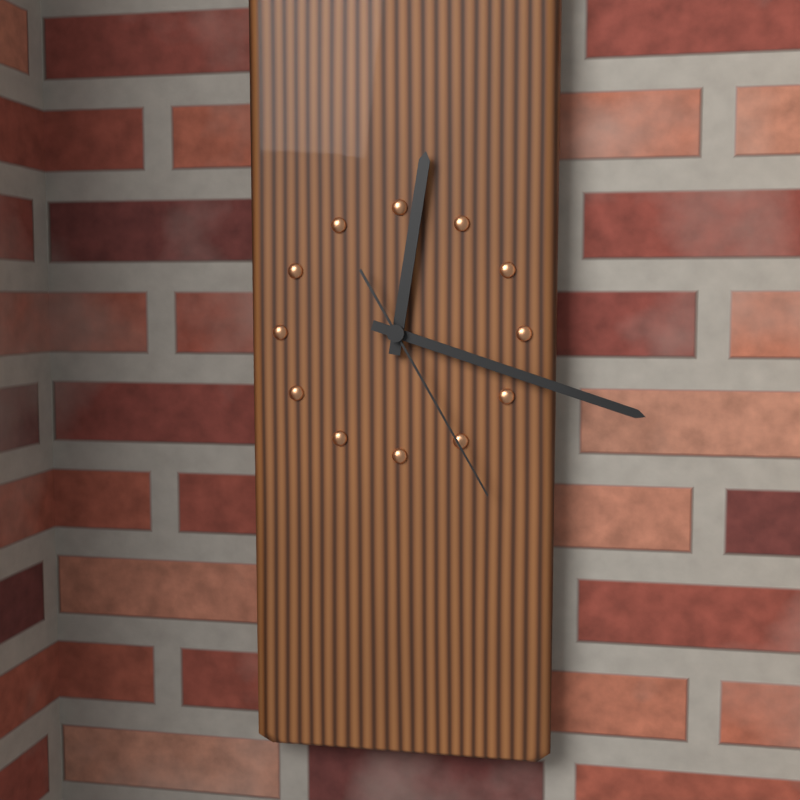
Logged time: 12 h 18 min 25 s
